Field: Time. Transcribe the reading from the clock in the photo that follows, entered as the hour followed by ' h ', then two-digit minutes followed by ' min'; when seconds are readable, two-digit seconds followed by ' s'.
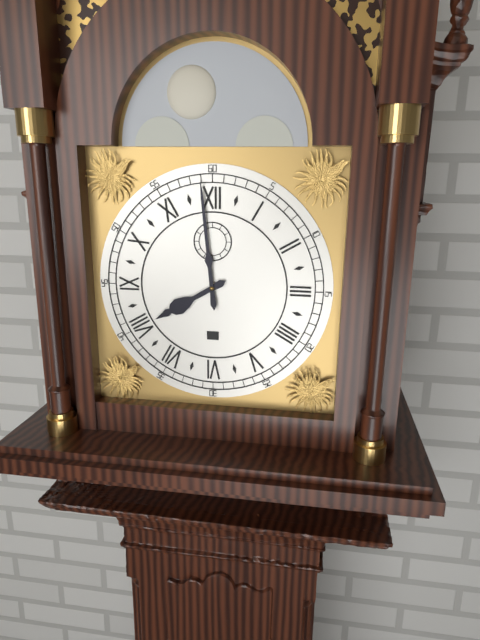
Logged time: 7 h 59 min
